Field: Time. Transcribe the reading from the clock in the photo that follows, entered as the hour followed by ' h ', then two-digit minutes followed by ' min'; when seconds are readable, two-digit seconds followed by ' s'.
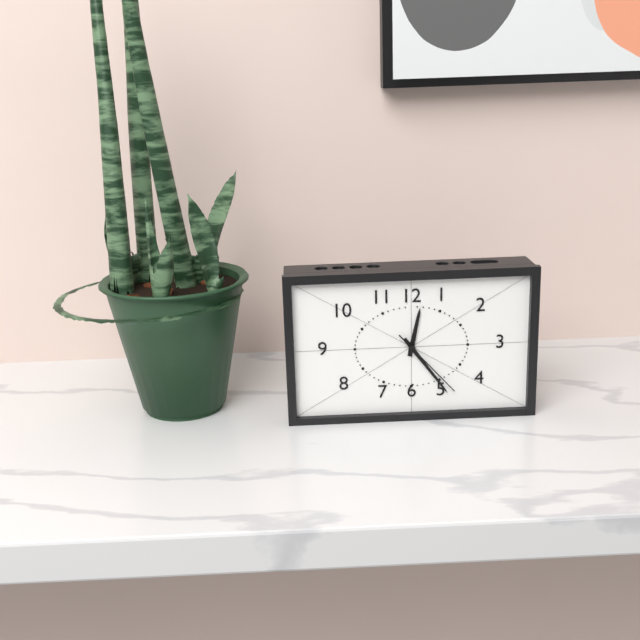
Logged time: 12 h 24 min 23 s
